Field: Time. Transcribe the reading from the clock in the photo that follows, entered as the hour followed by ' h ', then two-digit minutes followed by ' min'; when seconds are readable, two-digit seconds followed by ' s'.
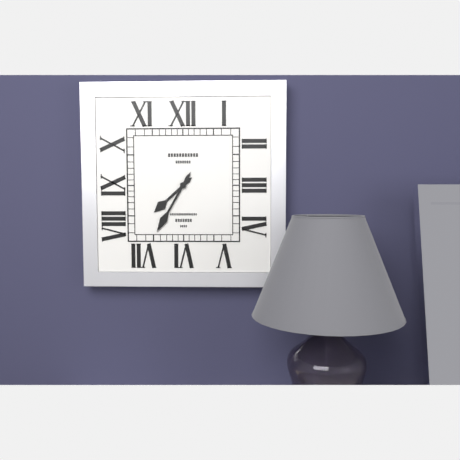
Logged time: 7 h 35 min
